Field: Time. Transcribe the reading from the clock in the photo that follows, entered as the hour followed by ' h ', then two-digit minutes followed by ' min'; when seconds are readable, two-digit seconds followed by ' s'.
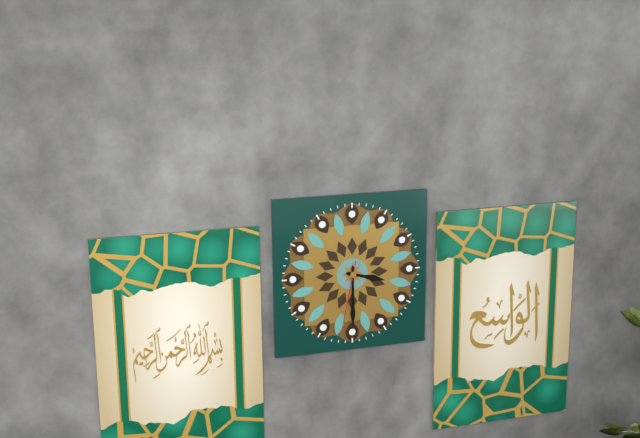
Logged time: 3 h 30 min 32 s
